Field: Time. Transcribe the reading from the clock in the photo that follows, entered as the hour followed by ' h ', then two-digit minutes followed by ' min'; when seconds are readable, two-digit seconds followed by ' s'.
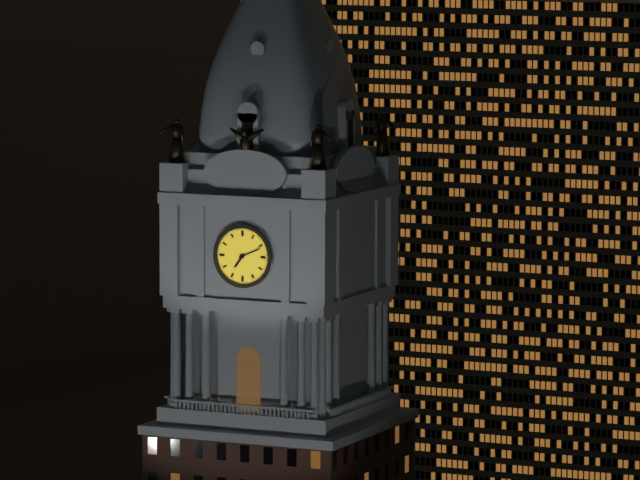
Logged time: 7 h 11 min
